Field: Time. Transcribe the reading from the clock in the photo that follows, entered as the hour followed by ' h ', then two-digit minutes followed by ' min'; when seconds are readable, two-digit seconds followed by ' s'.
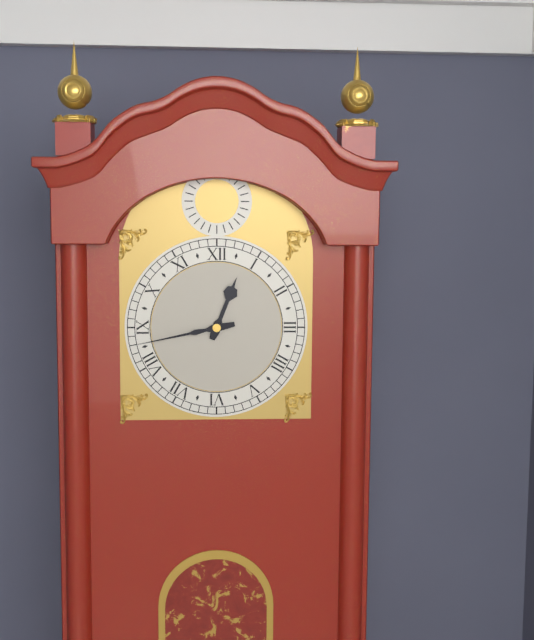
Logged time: 12 h 43 min
